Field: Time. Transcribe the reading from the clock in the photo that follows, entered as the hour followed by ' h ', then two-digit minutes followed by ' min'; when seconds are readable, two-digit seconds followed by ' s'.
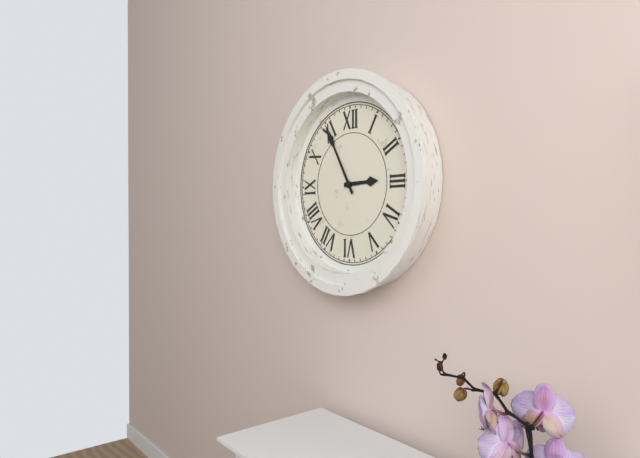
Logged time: 2 h 55 min
